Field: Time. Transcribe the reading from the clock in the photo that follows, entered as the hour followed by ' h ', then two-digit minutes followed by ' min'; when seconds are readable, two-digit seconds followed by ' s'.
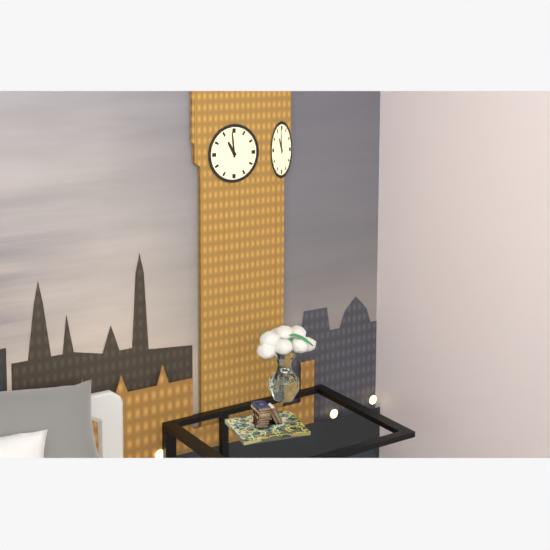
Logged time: 10 h 59 min
